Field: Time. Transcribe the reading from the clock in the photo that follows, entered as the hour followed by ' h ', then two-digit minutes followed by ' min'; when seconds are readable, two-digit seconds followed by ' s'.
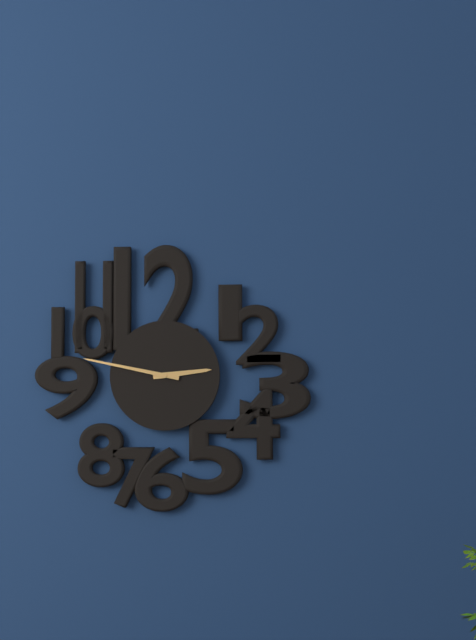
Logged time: 2 h 47 min
